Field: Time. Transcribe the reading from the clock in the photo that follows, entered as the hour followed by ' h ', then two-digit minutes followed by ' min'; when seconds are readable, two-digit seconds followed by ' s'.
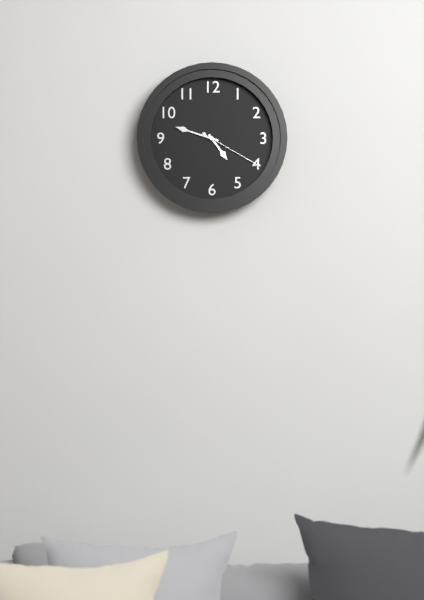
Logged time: 4 h 48 min 20 s
